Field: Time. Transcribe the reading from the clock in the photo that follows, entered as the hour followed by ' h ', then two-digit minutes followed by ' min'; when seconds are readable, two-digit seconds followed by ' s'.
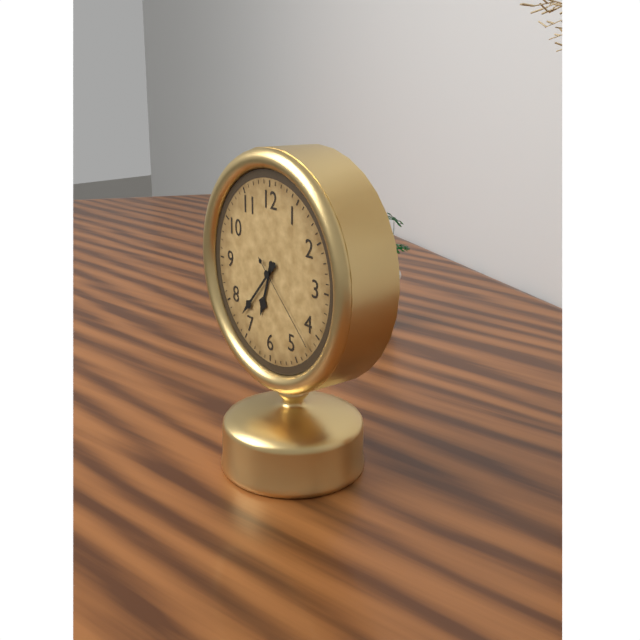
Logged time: 6 h 37 min 22 s
